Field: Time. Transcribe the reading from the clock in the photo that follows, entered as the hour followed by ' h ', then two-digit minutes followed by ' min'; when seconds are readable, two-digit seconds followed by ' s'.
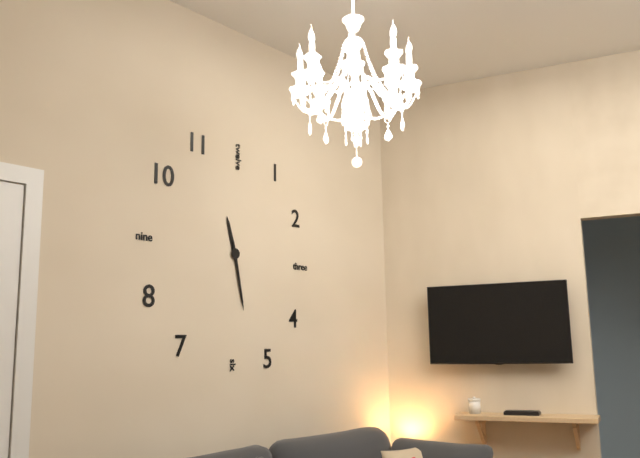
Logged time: 11 h 28 min
